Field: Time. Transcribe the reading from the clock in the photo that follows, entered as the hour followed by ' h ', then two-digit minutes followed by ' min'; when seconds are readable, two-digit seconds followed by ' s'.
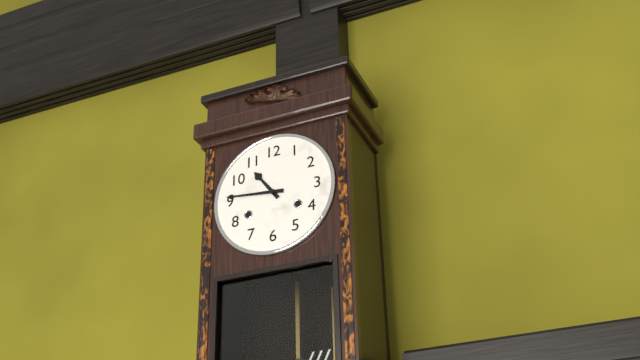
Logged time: 10 h 46 min
